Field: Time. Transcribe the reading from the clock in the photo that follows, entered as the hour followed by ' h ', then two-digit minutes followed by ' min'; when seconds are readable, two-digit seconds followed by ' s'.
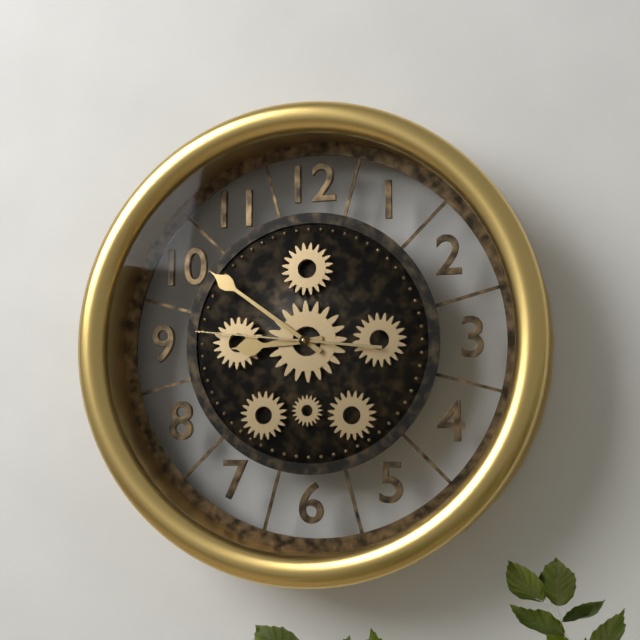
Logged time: 8 h 51 min 46 s
